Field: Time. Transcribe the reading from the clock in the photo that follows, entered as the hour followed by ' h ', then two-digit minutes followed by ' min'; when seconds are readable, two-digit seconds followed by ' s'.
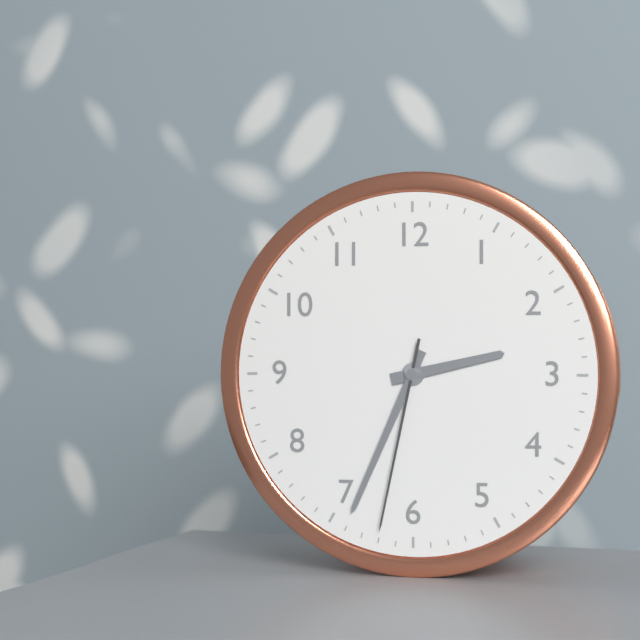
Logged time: 2 h 34 min 32 s
